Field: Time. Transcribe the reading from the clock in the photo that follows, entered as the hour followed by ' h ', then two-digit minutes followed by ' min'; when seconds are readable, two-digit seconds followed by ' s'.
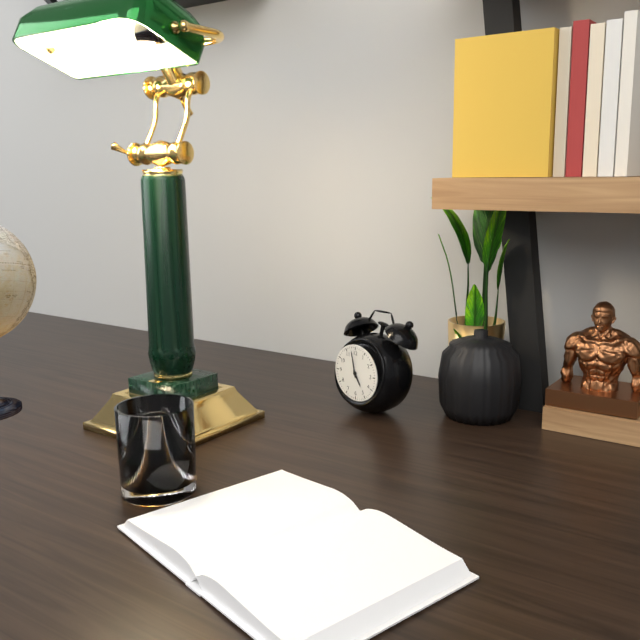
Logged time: 4 h 58 min
